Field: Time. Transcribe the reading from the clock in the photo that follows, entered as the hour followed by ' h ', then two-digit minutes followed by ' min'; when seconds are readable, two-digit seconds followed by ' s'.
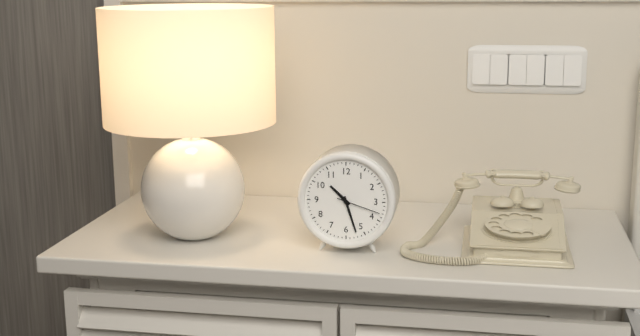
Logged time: 10 h 27 min
